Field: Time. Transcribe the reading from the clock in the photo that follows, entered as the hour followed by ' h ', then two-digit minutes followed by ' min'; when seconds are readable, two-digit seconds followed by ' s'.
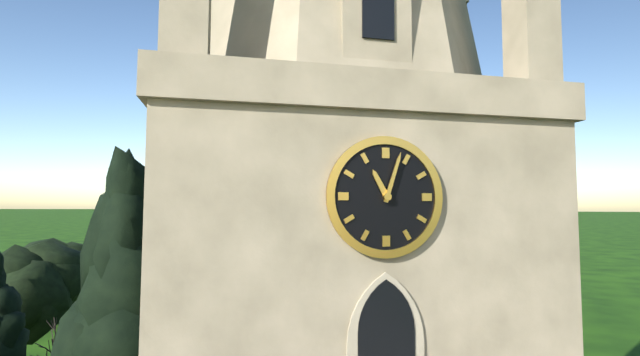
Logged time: 11 h 03 min
